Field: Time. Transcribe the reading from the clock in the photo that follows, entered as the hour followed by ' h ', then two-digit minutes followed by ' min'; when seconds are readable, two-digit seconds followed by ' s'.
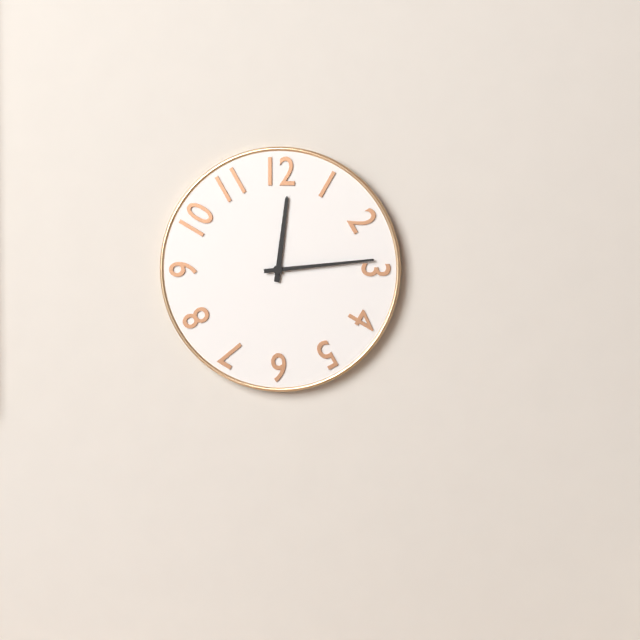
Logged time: 12 h 14 min
